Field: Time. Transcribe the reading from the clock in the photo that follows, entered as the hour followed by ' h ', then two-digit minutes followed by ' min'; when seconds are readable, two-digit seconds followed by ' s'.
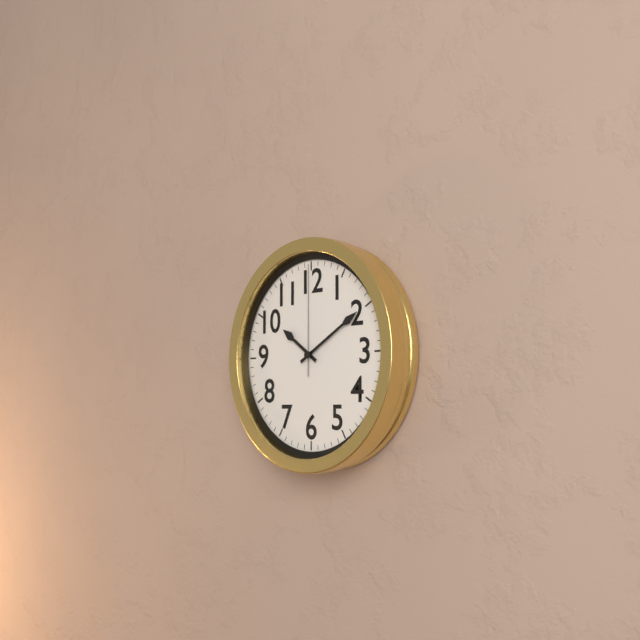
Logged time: 10 h 10 min 00 s
